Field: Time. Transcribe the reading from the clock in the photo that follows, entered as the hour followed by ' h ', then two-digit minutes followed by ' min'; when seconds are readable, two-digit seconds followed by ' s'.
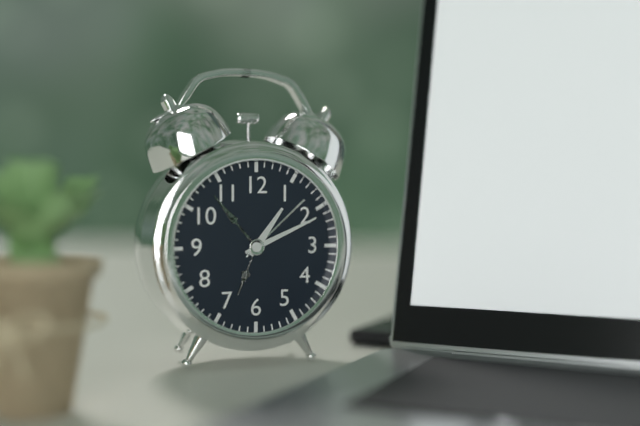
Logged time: 1 h 11 min
